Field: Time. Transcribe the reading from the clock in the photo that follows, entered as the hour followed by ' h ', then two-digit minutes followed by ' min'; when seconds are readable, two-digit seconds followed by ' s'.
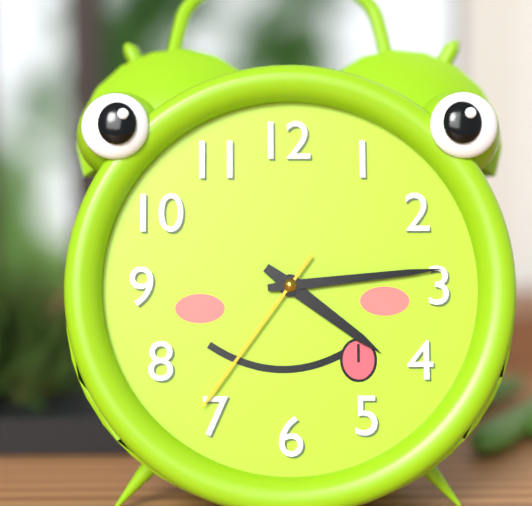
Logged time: 4 h 14 min 36 s
